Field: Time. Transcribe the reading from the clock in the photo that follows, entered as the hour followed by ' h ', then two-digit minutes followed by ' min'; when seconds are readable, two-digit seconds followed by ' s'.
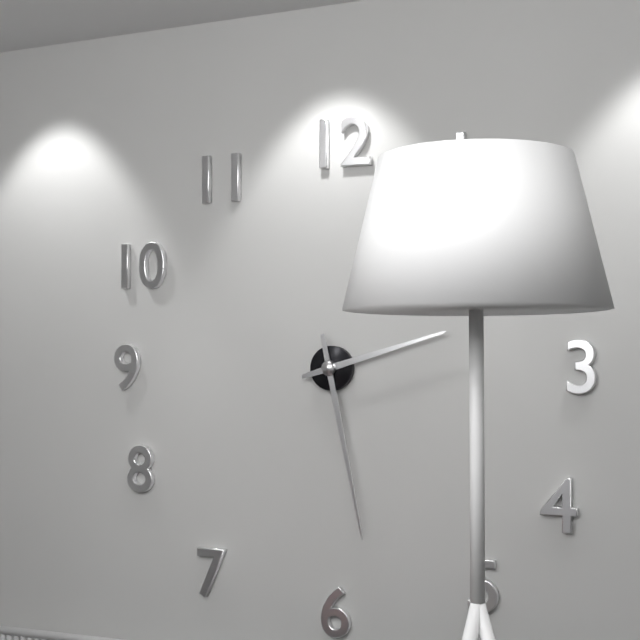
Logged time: 2 h 28 min
